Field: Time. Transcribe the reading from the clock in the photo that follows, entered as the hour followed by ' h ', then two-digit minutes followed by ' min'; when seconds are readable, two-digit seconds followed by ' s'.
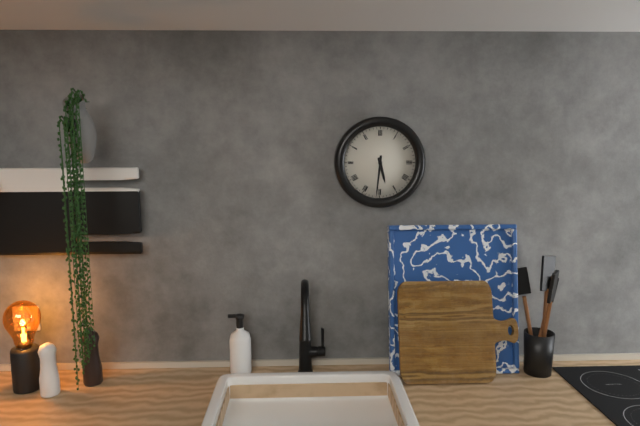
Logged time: 5 h 31 min
